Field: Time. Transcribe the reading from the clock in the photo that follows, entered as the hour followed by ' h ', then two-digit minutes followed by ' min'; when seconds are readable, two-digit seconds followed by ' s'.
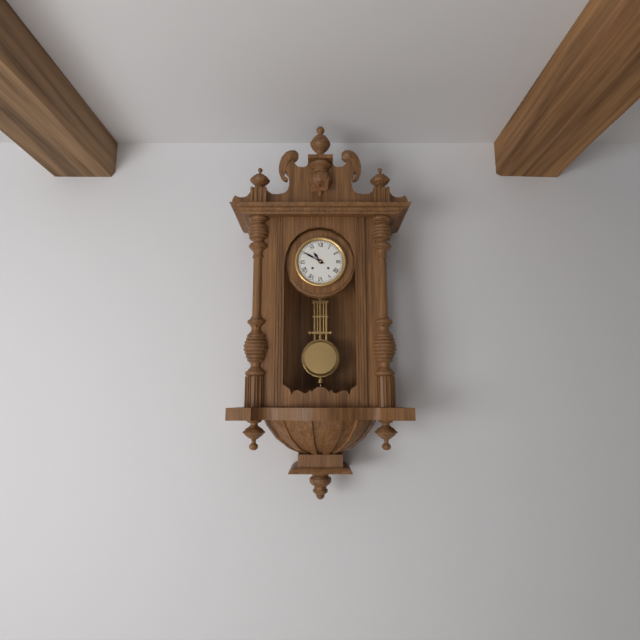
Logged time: 10 h 50 min
